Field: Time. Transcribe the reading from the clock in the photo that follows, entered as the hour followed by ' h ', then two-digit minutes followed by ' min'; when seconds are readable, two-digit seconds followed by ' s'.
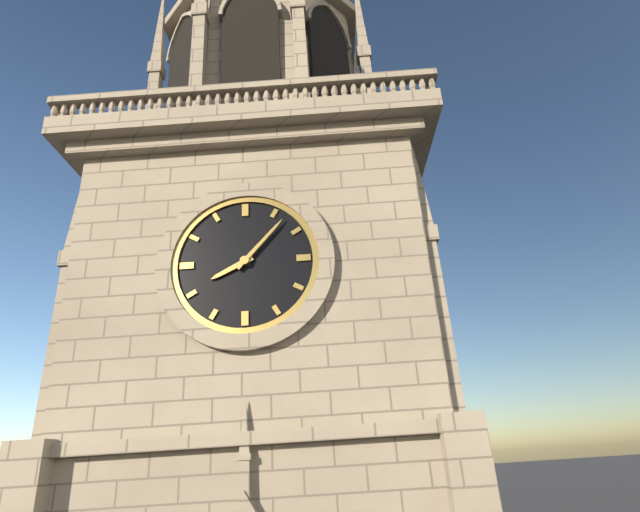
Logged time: 8 h 07 min
